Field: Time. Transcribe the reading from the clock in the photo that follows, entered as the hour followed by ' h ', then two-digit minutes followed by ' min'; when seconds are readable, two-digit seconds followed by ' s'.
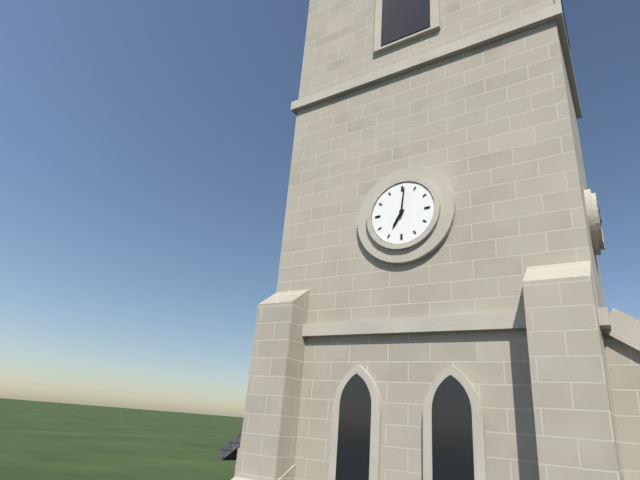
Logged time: 7 h 01 min
